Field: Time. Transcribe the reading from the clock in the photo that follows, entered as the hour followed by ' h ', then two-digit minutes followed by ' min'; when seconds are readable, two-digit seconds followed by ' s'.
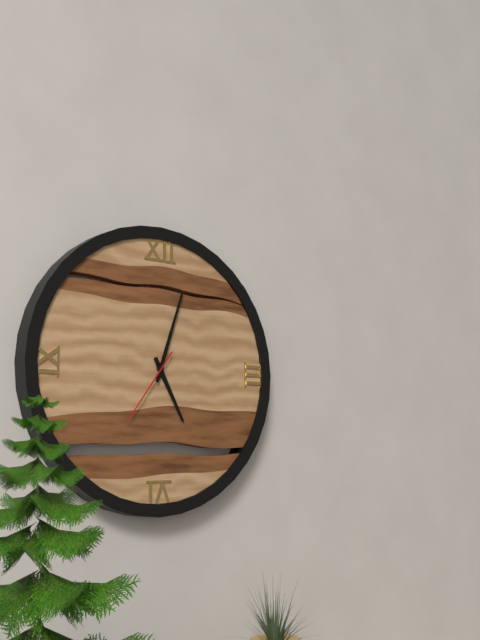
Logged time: 5 h 03 min 36 s
